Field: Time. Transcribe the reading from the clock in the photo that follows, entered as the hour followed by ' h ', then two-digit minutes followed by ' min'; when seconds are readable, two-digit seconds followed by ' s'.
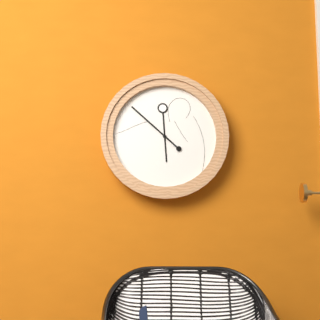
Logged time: 5 h 52 min
